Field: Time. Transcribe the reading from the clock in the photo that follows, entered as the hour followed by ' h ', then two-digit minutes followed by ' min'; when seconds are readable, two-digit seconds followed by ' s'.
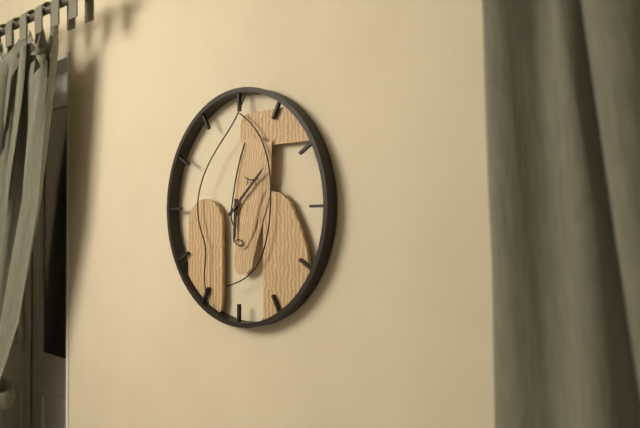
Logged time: 6 h 08 min
